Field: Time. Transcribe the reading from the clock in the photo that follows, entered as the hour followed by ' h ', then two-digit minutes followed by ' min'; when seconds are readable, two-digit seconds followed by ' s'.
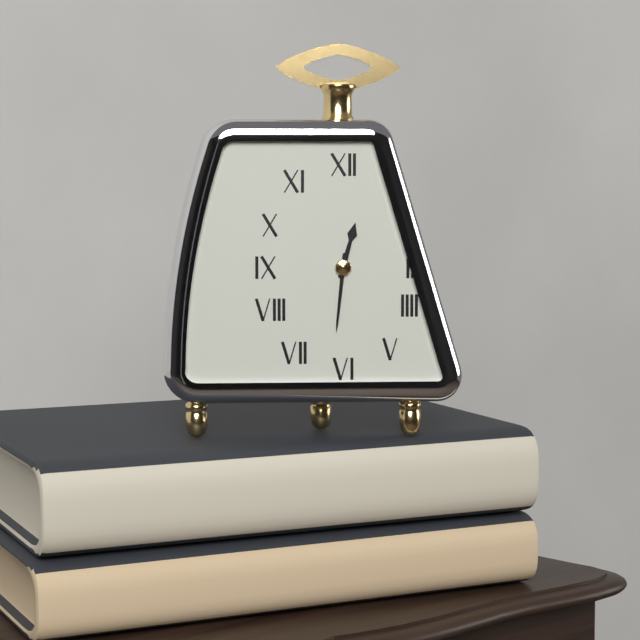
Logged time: 12 h 31 min
